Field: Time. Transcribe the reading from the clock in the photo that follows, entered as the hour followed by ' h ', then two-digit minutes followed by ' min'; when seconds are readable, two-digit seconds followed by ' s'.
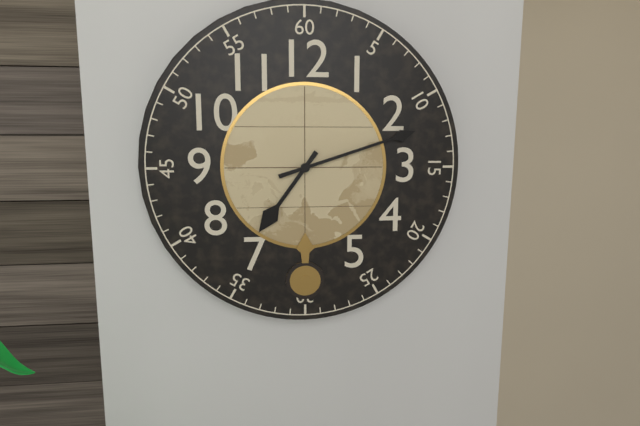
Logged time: 7 h 12 min
